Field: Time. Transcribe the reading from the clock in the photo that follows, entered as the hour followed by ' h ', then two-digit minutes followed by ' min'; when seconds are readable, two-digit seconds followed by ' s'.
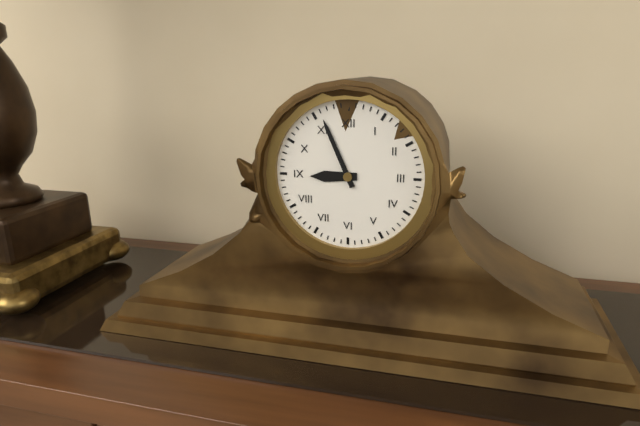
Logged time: 8 h 56 min
